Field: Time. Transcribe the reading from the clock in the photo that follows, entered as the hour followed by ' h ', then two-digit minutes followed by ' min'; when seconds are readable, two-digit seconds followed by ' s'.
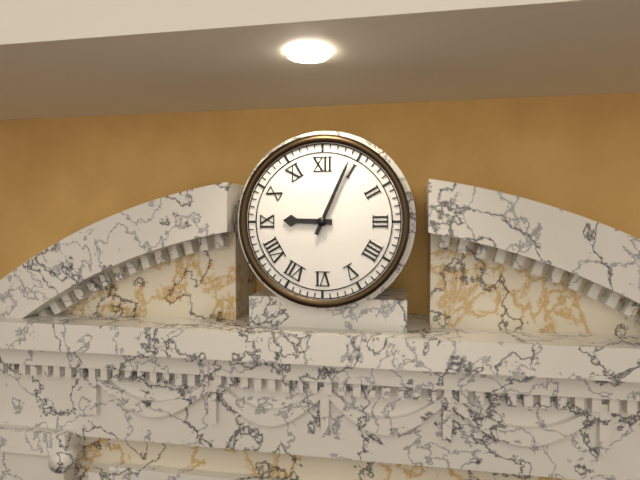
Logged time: 9 h 04 min
